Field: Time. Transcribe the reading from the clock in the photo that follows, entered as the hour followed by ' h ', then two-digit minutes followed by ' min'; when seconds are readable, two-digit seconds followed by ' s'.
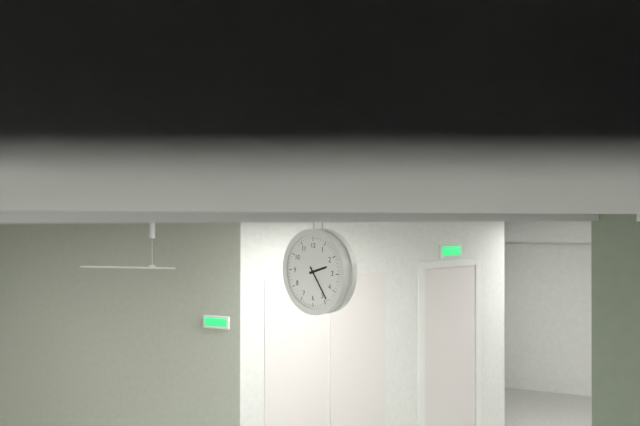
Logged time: 2 h 24 min
